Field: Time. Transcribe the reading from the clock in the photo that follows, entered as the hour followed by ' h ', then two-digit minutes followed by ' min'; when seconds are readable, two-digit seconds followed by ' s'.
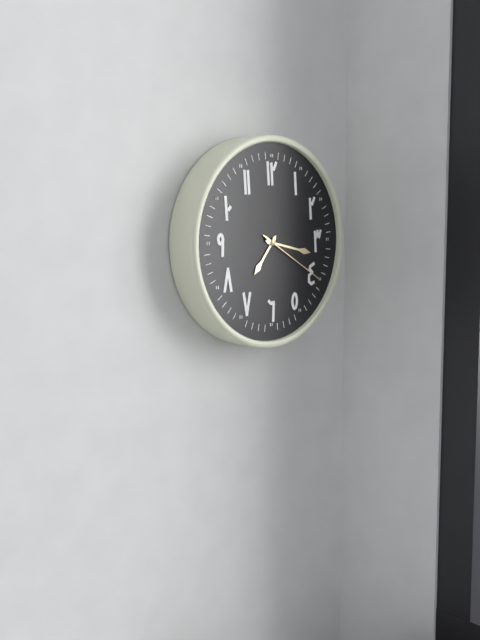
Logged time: 7 h 17 min 20 s
